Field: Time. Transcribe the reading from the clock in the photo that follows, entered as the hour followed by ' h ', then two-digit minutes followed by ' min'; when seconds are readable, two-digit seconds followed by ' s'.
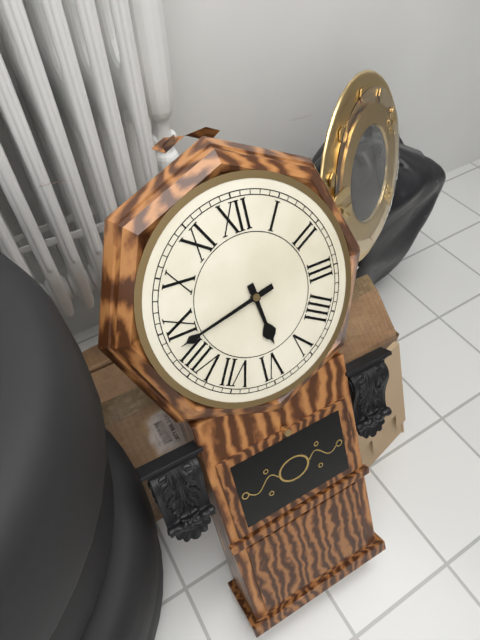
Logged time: 5 h 43 min
